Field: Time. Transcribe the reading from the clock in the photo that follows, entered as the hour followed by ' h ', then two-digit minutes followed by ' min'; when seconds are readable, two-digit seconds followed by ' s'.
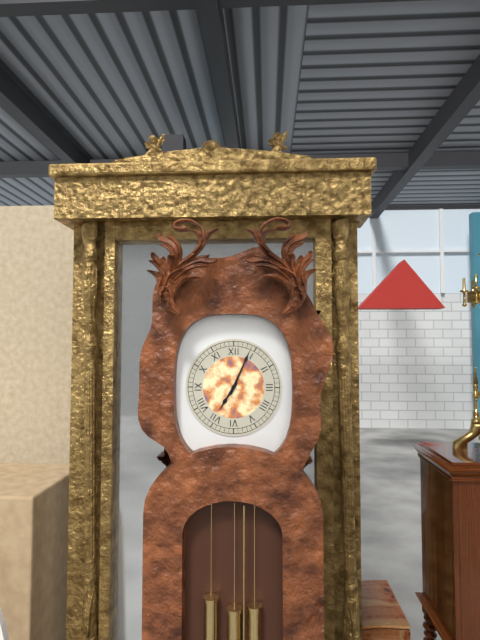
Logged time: 7 h 04 min
